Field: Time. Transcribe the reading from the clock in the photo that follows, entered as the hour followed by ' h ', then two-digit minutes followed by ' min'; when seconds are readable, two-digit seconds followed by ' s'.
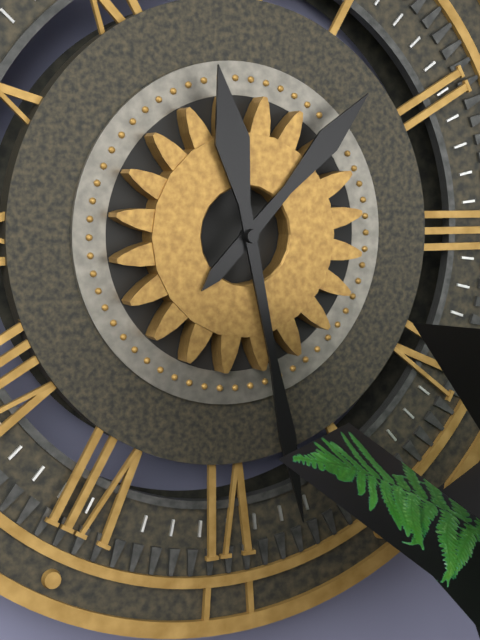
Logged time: 1 h 28 min
